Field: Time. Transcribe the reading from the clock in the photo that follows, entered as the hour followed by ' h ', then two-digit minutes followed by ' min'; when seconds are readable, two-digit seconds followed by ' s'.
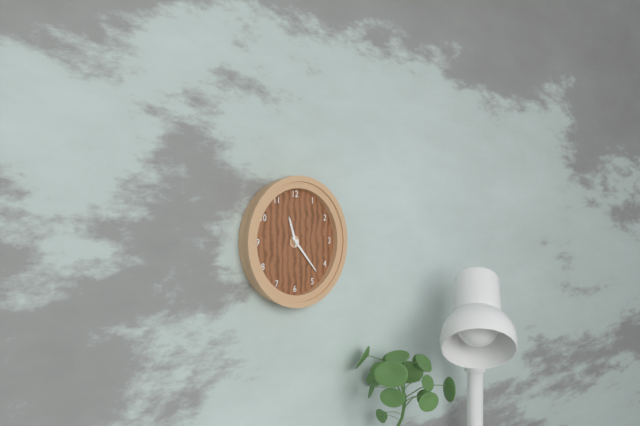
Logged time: 11 h 23 min
